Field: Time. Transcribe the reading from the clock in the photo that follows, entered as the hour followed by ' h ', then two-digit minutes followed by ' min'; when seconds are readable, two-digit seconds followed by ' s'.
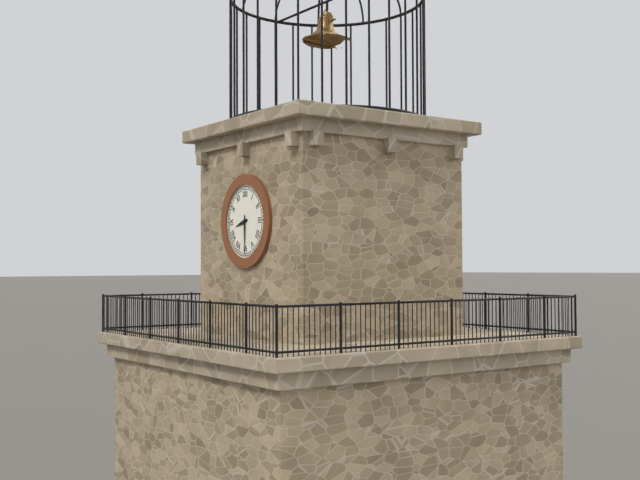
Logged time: 8 h 30 min
